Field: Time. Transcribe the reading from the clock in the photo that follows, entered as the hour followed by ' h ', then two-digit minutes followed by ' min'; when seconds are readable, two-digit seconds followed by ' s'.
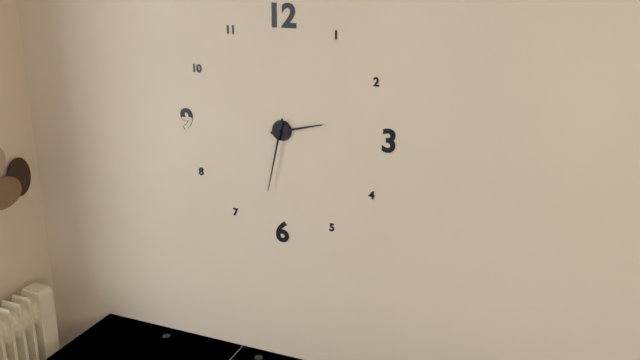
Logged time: 2 h 32 min
